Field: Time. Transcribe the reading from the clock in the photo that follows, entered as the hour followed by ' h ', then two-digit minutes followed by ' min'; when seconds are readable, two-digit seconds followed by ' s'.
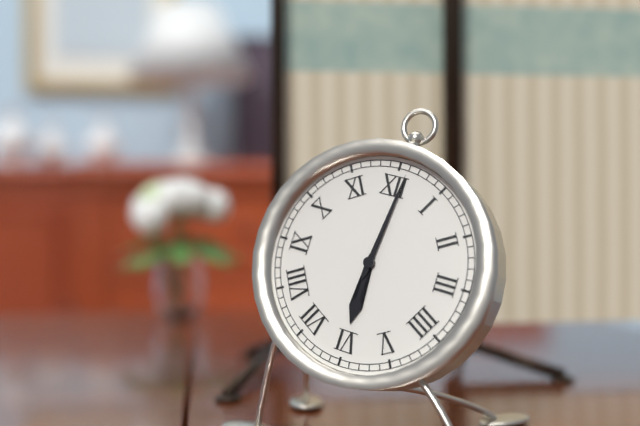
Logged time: 6 h 01 min
